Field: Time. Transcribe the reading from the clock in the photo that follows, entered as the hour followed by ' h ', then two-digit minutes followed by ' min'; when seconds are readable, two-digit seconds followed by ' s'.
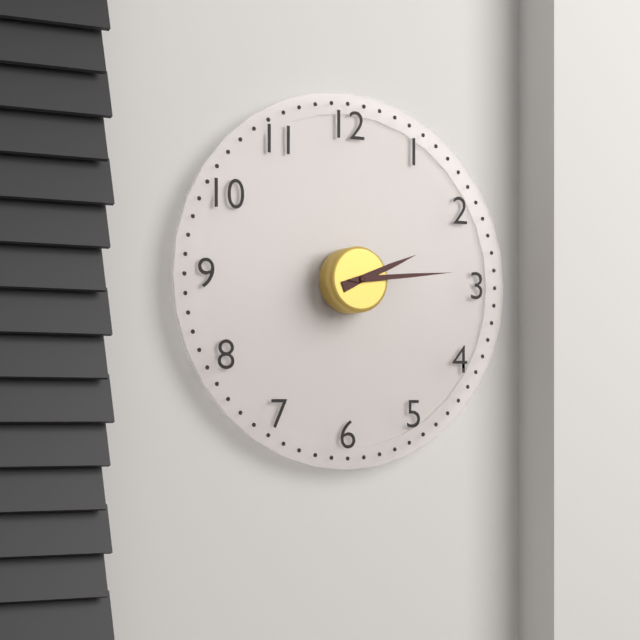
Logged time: 2 h 14 min
